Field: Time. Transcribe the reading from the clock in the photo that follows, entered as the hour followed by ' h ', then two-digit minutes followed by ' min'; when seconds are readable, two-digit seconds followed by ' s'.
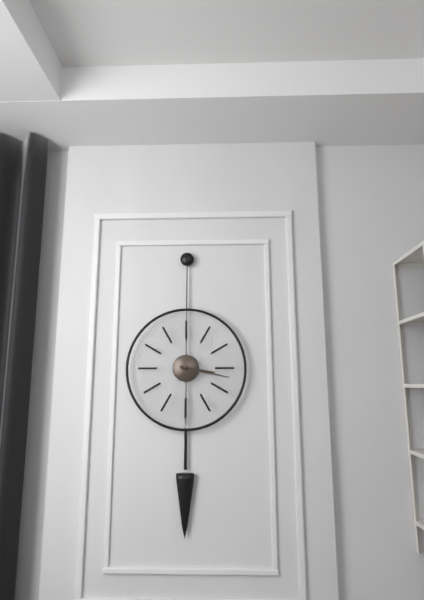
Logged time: 3 h 17 min
